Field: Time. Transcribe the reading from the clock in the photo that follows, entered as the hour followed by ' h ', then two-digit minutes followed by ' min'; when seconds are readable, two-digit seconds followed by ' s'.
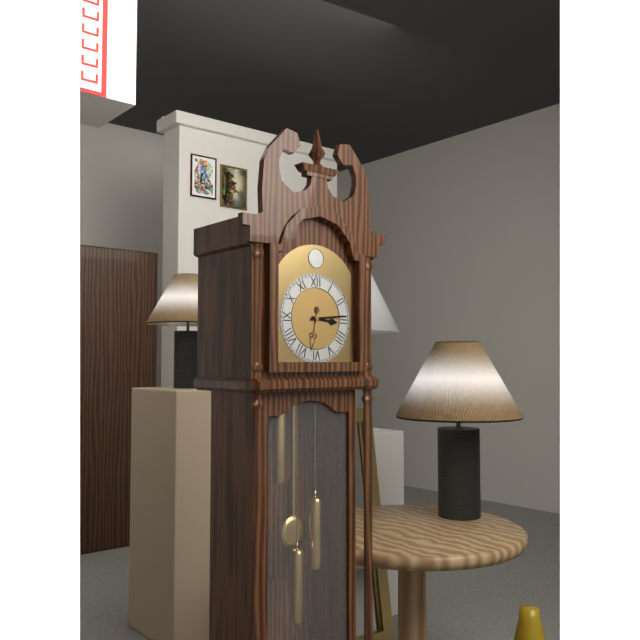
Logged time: 3 h 14 min
